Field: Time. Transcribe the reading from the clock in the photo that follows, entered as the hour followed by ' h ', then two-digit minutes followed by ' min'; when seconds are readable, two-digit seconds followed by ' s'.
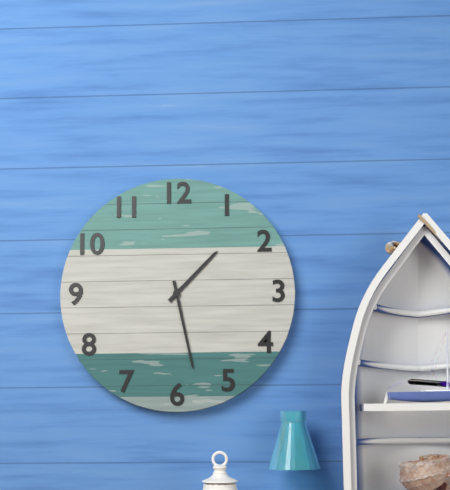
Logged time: 1 h 28 min
